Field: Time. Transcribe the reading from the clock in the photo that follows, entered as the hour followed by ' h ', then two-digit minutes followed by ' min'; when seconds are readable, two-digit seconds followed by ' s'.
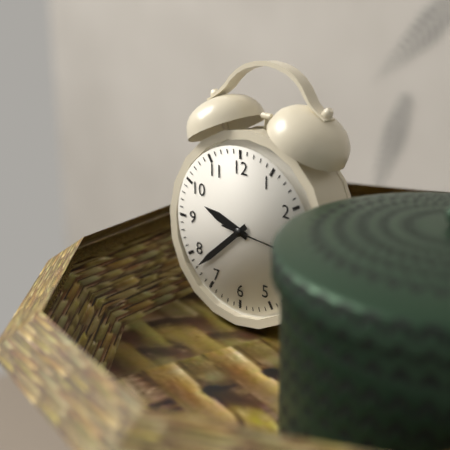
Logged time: 9 h 38 min
